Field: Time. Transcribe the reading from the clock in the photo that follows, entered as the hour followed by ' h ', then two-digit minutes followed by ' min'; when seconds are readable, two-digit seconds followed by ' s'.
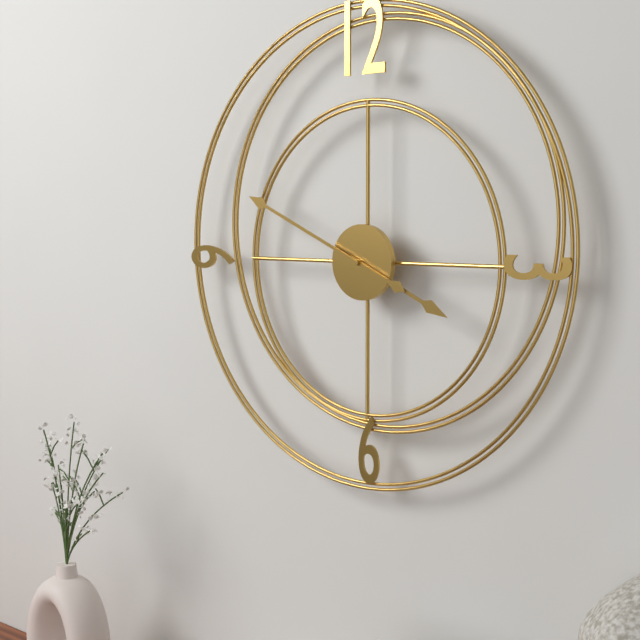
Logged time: 3 h 49 min
